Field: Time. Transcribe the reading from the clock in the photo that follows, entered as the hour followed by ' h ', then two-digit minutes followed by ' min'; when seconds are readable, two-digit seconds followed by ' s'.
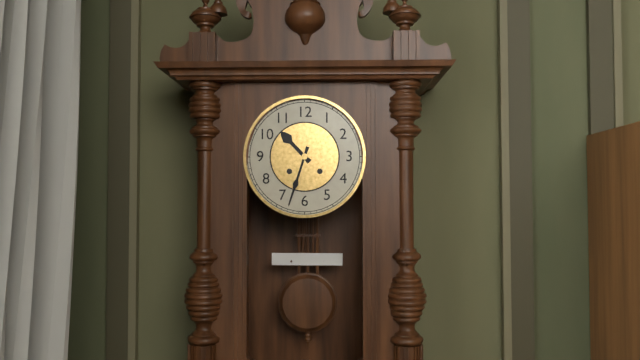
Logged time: 10 h 33 min
